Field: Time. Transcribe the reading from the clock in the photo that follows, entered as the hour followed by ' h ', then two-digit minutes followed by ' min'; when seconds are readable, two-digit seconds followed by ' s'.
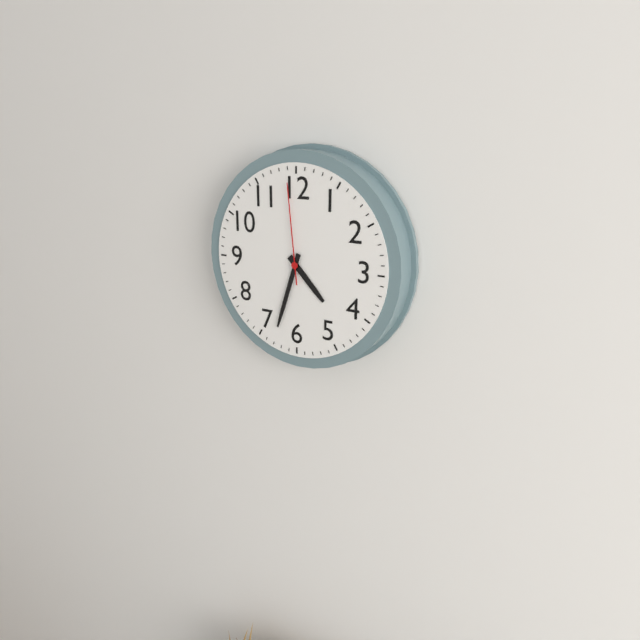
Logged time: 4 h 33 min 59 s
